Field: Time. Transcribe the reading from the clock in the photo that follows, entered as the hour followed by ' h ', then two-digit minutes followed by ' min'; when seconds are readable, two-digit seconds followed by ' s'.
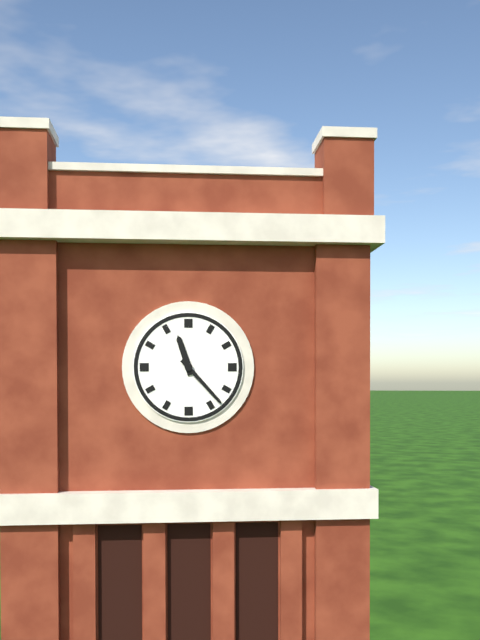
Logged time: 11 h 23 min
